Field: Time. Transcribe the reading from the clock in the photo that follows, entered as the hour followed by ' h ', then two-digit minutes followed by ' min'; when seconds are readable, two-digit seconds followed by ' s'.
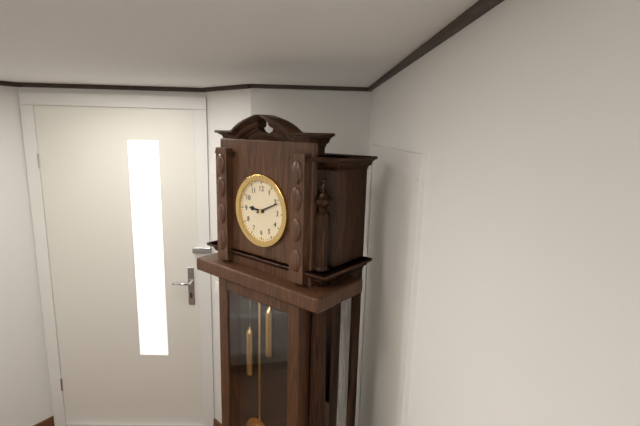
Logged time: 9 h 11 min
